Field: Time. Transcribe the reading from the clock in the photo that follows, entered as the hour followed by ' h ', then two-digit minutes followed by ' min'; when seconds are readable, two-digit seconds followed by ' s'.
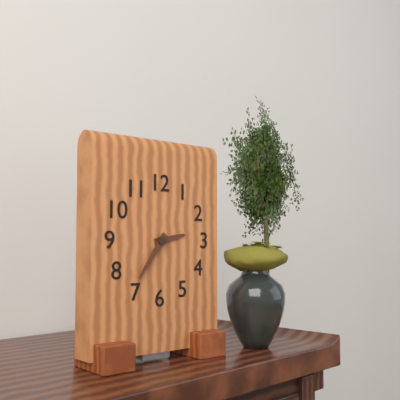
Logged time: 2 h 36 min
